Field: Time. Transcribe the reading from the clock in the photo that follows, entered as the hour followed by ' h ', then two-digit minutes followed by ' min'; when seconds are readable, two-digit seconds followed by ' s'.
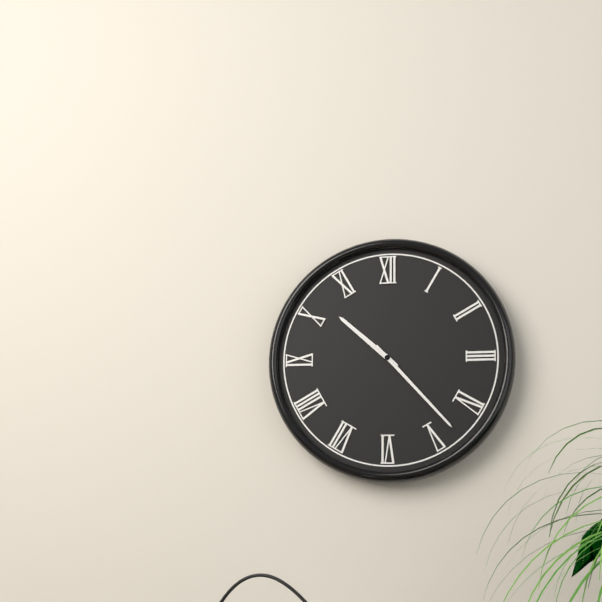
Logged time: 10 h 23 min
